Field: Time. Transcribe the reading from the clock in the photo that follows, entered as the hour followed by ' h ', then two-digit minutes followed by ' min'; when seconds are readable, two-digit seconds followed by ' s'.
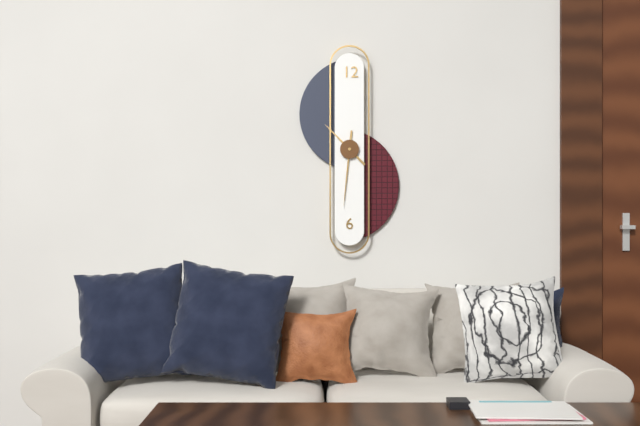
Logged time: 10 h 31 min
